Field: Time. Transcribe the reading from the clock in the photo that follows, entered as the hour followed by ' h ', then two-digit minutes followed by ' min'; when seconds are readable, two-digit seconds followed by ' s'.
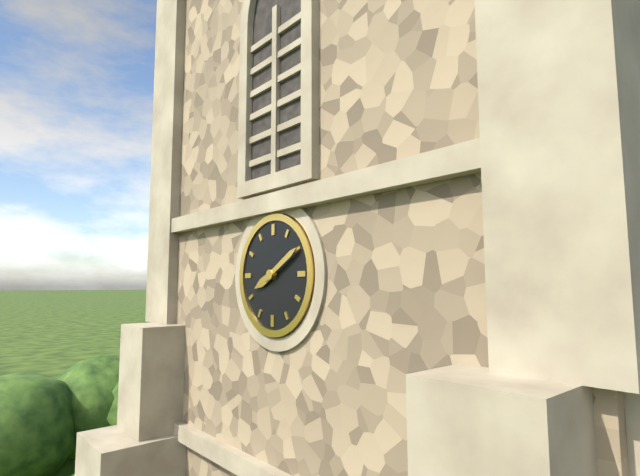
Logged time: 8 h 10 min
